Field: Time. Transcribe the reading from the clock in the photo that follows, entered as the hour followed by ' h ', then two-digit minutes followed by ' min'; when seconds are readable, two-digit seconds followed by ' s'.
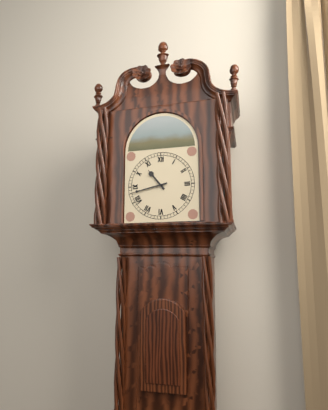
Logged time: 10 h 43 min
